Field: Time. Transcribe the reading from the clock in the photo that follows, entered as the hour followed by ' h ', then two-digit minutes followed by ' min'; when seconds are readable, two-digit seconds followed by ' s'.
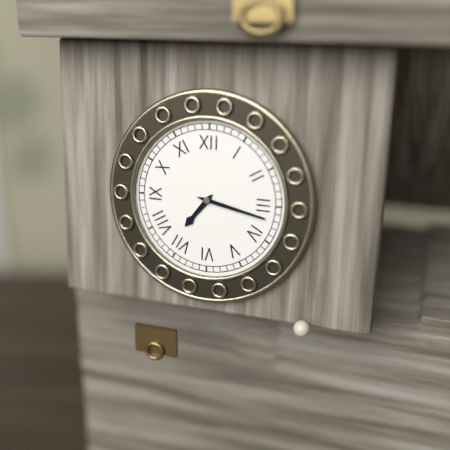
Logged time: 7 h 17 min
